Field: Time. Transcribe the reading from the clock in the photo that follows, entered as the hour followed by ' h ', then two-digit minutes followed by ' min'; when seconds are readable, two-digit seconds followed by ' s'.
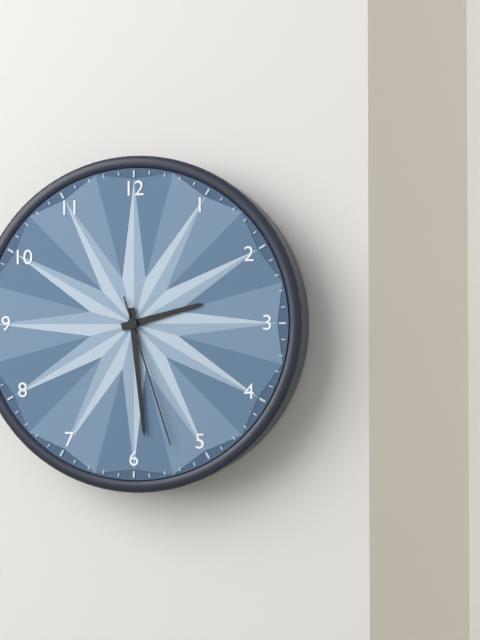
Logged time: 2 h 29 min 27 s
